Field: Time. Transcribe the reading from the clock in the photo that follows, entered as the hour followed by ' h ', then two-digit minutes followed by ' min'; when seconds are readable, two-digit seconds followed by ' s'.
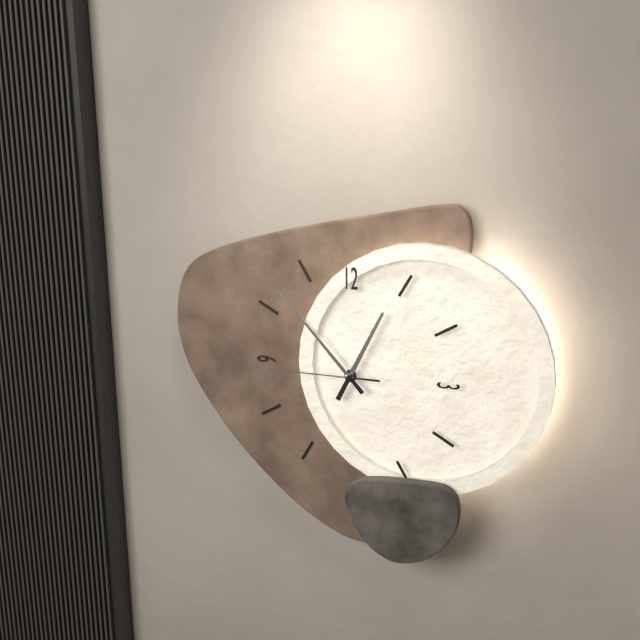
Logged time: 12 h 53 min 45 s
